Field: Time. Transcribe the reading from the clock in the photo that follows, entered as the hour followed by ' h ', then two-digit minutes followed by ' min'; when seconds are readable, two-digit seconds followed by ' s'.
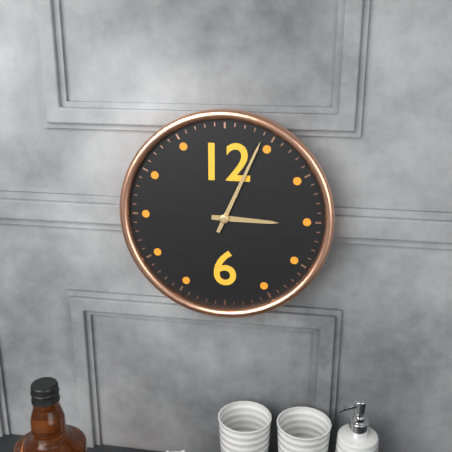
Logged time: 3 h 04 min
